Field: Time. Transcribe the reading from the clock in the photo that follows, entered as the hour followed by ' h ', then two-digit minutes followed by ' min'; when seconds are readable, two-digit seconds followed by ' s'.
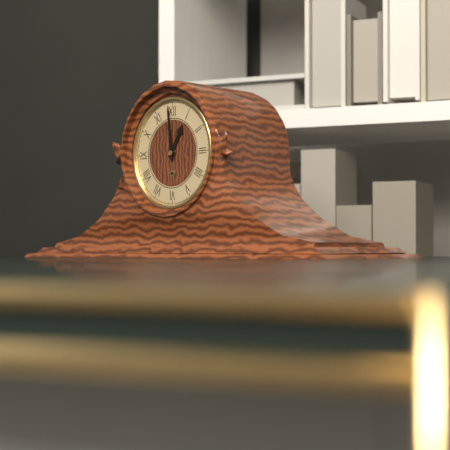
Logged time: 12 h 59 min
